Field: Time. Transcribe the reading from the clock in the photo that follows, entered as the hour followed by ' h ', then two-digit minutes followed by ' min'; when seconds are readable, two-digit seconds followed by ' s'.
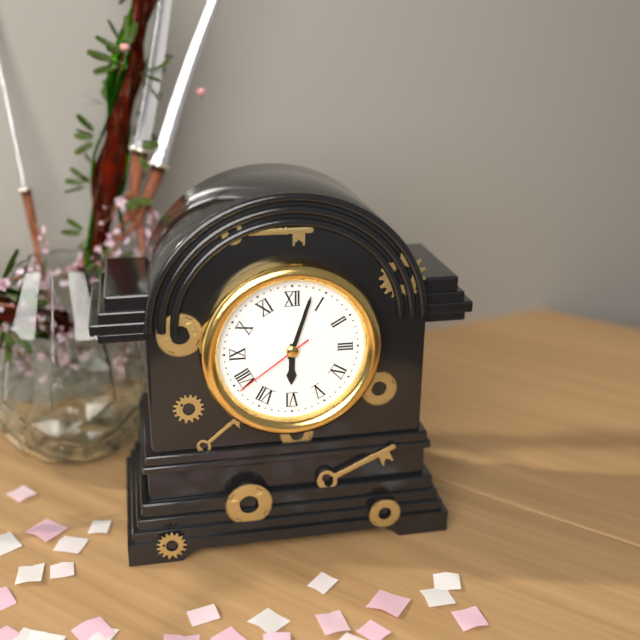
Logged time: 6 h 03 min 39 s
